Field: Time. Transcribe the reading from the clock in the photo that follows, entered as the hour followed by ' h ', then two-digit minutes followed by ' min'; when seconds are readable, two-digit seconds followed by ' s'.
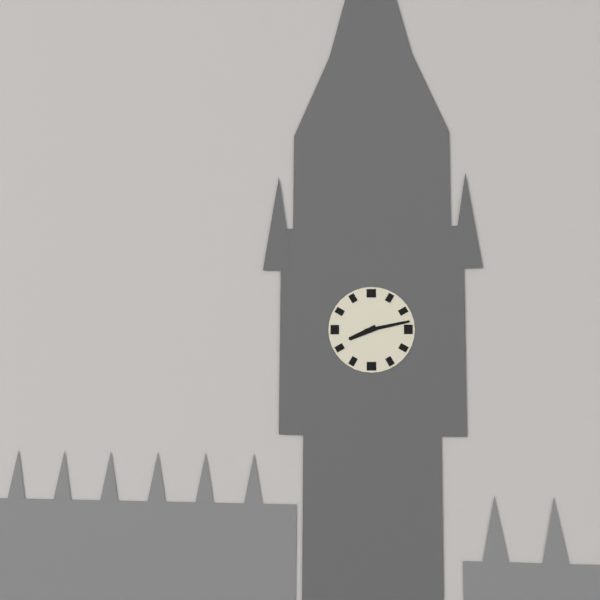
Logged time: 8 h 13 min
